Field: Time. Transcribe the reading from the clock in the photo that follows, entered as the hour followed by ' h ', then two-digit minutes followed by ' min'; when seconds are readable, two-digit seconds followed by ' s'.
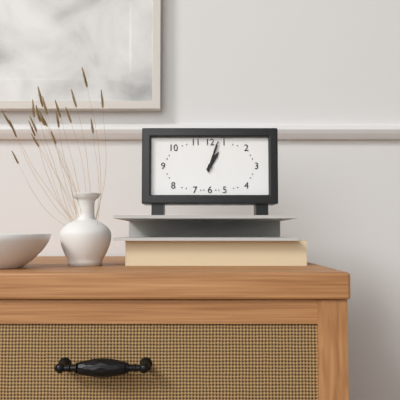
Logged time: 1 h 03 min
